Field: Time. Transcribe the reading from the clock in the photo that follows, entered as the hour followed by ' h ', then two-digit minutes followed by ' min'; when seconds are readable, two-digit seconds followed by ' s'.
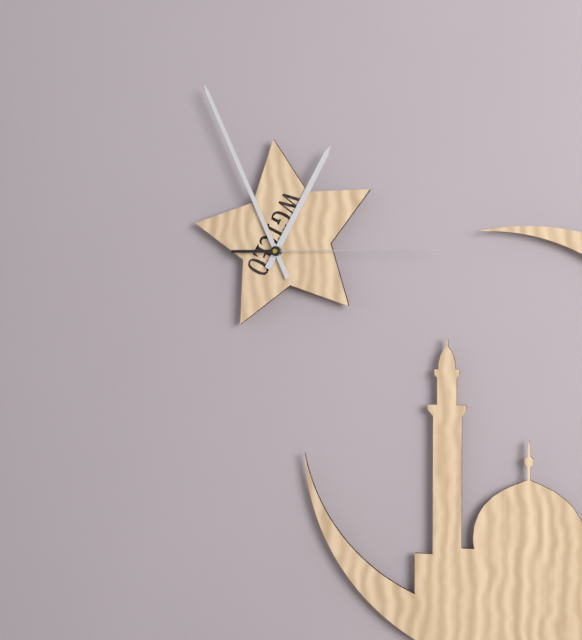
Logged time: 12 h 56 min 15 s
